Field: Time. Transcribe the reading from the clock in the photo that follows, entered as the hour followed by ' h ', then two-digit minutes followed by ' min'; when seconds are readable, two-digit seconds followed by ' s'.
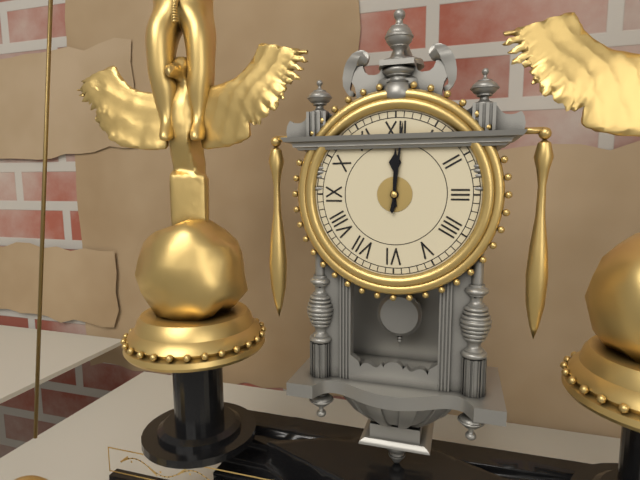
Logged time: 12 h 01 min
